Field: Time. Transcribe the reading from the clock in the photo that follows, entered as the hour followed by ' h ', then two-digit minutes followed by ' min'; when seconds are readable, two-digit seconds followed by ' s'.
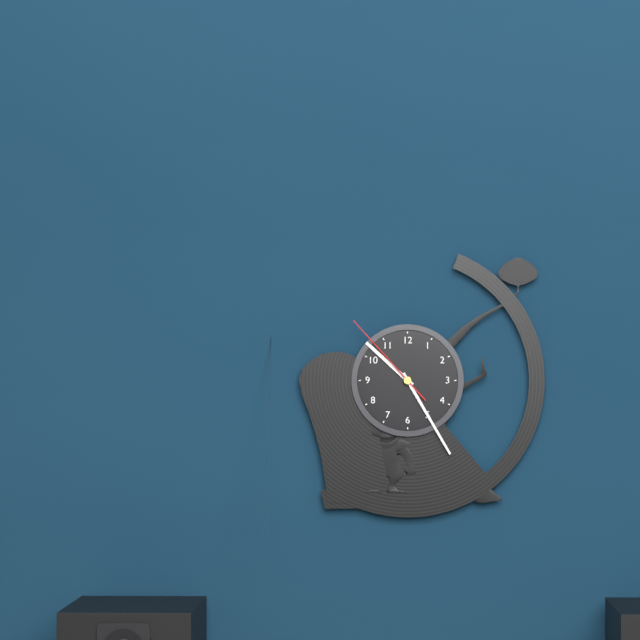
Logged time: 10 h 25 min 53 s
